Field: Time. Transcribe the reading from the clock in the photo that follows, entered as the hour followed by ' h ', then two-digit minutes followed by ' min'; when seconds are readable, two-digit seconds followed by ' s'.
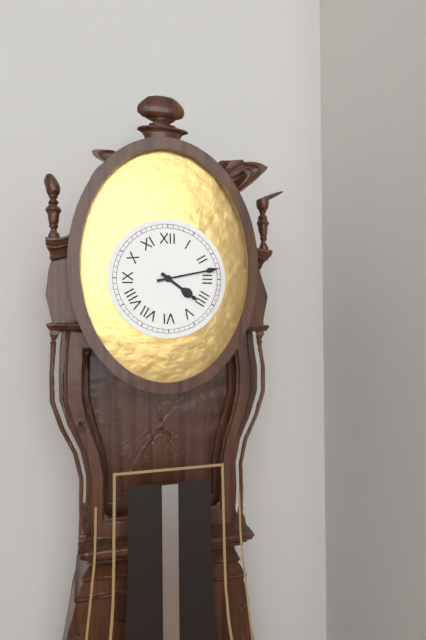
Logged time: 4 h 13 min
